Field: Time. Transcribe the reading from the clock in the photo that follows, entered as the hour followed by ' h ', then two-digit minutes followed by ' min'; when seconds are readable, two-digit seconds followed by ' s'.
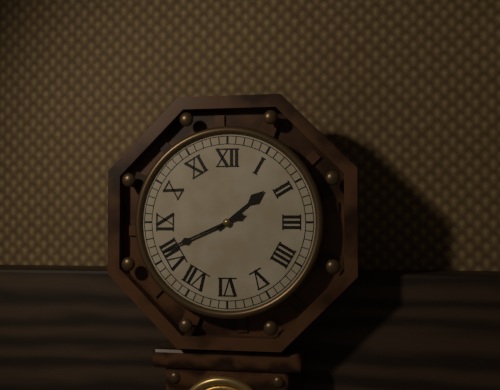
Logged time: 1 h 41 min
